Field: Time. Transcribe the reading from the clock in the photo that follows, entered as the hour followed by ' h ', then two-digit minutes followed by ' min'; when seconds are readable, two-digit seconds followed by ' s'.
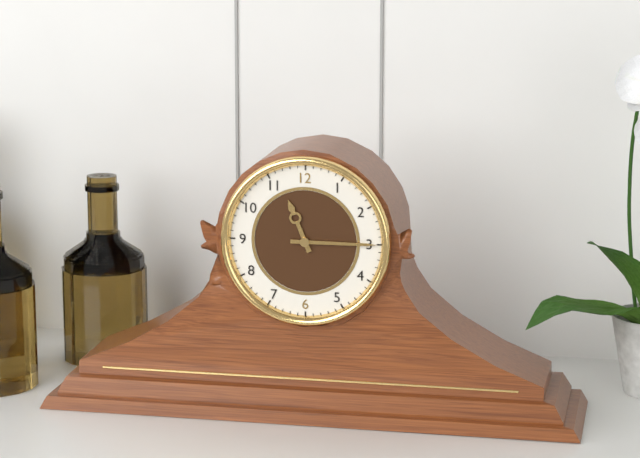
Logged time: 11 h 15 min
